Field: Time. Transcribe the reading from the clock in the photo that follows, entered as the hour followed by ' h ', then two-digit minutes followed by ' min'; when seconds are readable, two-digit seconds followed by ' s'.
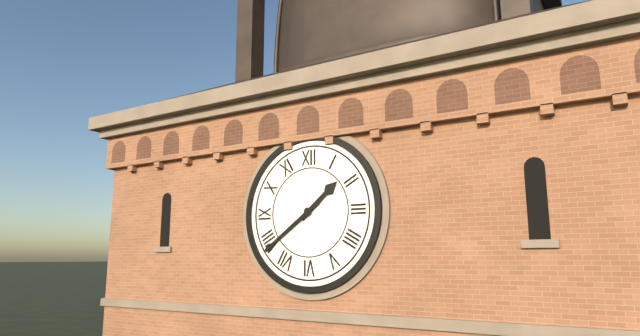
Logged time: 1 h 39 min
